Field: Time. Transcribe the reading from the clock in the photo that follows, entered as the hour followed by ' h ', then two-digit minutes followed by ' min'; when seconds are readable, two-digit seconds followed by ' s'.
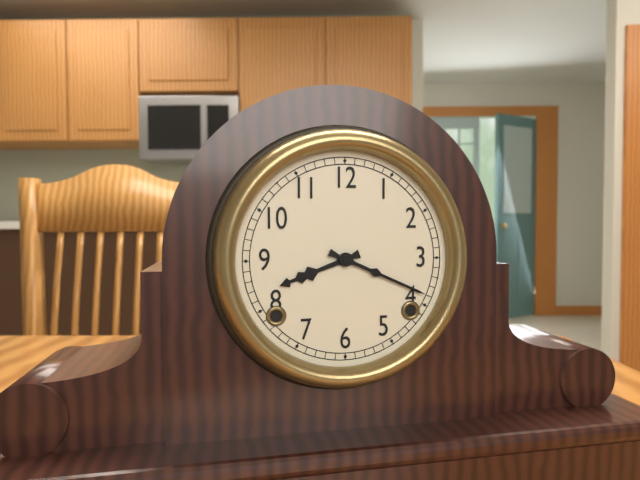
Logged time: 8 h 19 min
